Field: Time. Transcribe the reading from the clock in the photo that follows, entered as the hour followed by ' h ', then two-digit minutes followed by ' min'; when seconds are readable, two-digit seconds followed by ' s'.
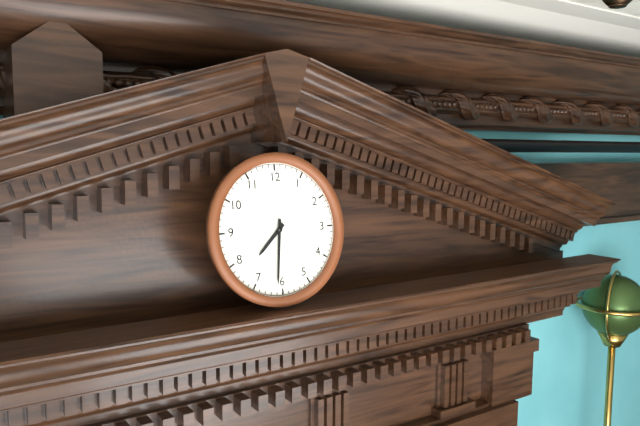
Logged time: 7 h 31 min
